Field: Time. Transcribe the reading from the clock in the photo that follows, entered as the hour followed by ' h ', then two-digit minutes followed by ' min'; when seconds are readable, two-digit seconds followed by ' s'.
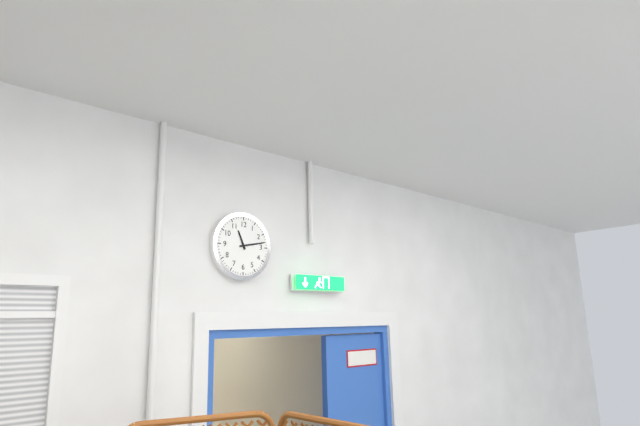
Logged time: 11 h 13 min
